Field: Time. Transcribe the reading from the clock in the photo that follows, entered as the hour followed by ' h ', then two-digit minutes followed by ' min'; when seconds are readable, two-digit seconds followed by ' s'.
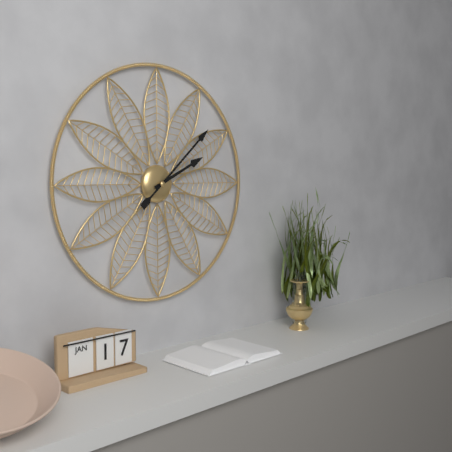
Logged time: 2 h 08 min
